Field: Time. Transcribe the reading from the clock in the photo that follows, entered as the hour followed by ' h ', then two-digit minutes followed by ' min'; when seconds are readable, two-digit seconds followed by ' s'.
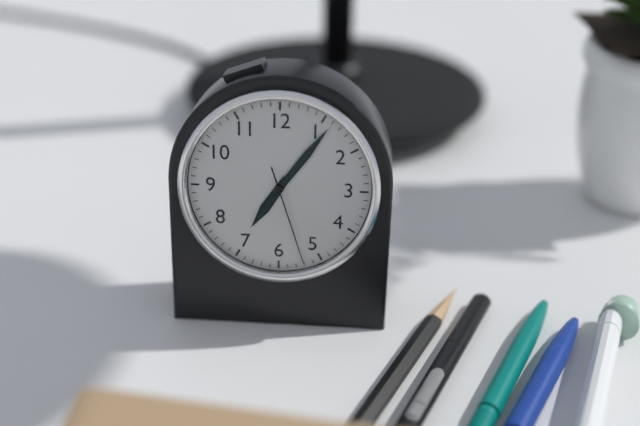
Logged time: 7 h 06 min 27 s
